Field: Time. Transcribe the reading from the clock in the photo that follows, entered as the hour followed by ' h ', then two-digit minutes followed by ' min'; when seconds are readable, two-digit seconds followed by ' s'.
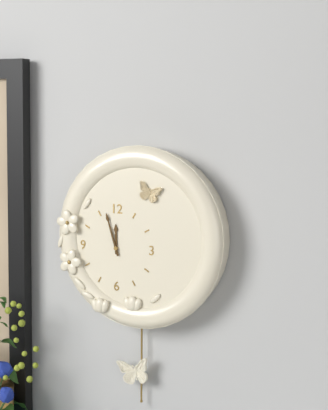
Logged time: 11 h 57 min
